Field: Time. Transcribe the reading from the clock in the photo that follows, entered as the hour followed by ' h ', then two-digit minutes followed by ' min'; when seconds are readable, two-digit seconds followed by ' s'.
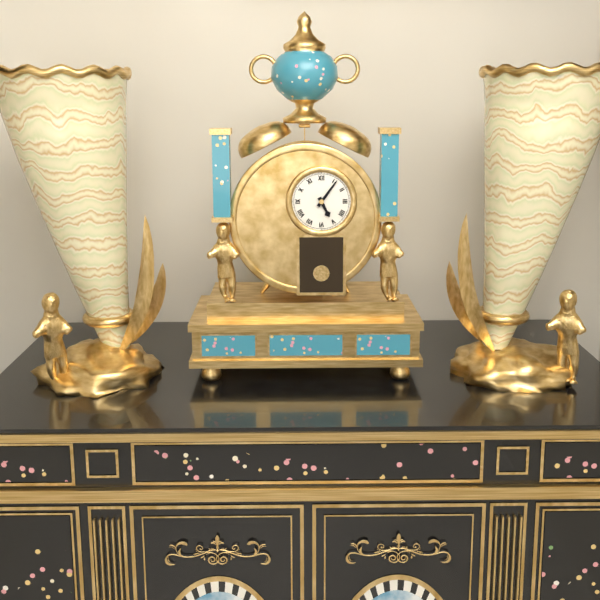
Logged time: 5 h 06 min
